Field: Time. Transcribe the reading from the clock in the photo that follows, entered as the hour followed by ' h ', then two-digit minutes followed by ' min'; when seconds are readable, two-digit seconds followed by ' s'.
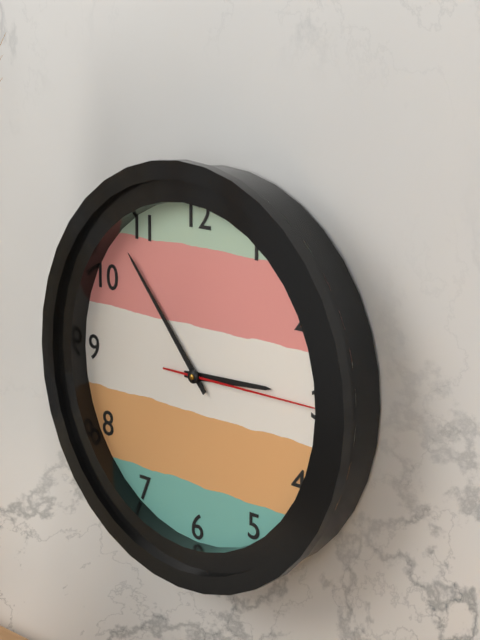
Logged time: 2 h 53 min 15 s
